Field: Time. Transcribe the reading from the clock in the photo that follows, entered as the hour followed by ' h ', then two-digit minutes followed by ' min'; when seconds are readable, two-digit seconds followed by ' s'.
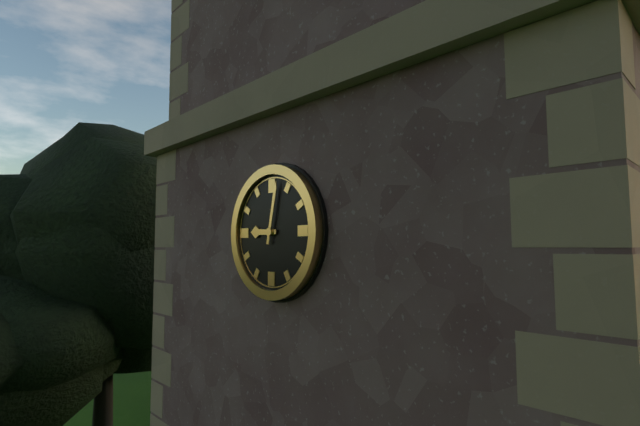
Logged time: 9 h 02 min
